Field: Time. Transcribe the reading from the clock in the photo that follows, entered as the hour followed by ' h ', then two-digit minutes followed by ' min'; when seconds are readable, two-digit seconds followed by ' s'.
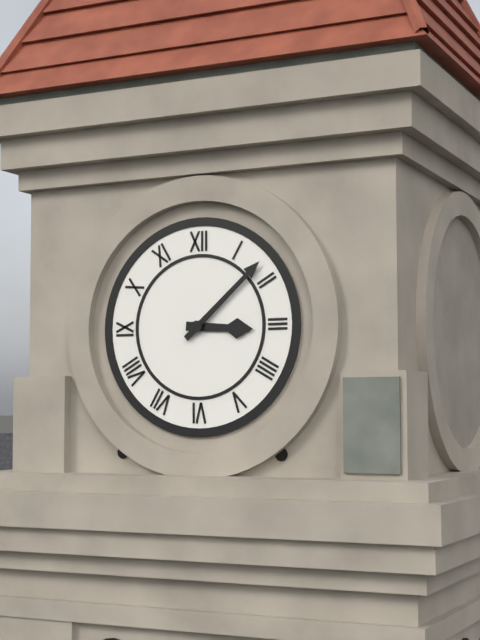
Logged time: 3 h 08 min
